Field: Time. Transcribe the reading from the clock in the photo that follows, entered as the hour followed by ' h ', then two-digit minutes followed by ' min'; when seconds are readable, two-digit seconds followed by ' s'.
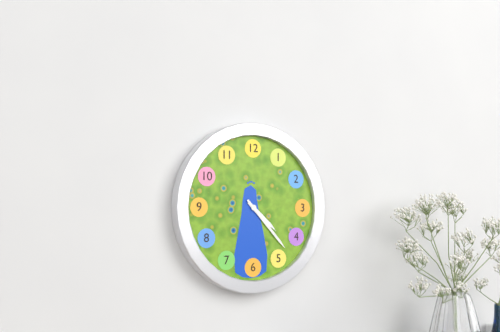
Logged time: 4 h 23 min
